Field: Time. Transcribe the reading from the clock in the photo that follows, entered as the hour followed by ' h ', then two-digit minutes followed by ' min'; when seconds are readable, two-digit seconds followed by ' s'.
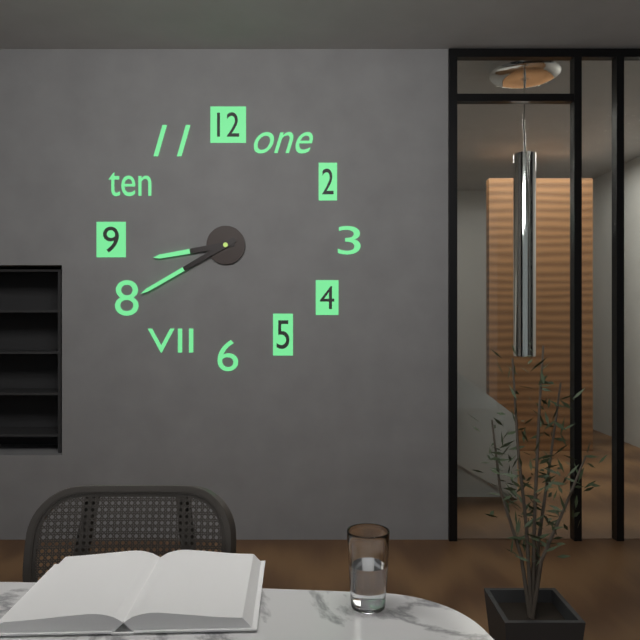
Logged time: 8 h 40 min
